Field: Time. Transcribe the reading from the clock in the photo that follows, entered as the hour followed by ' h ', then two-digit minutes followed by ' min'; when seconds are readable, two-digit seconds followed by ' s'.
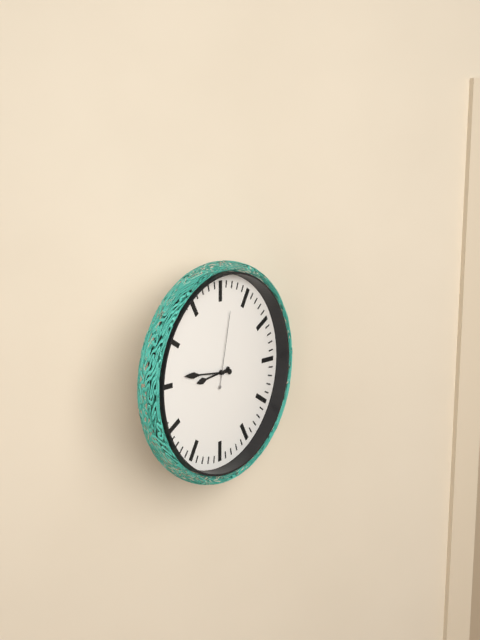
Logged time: 8 h 46 min 02 s
